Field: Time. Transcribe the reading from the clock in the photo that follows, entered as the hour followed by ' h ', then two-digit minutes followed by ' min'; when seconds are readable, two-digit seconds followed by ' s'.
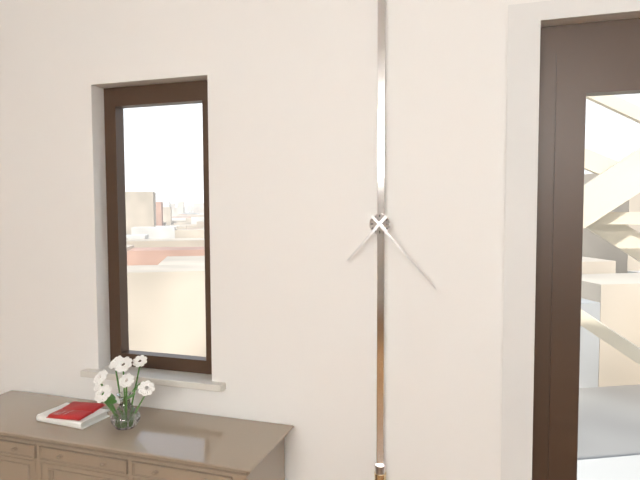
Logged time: 7 h 23 min
